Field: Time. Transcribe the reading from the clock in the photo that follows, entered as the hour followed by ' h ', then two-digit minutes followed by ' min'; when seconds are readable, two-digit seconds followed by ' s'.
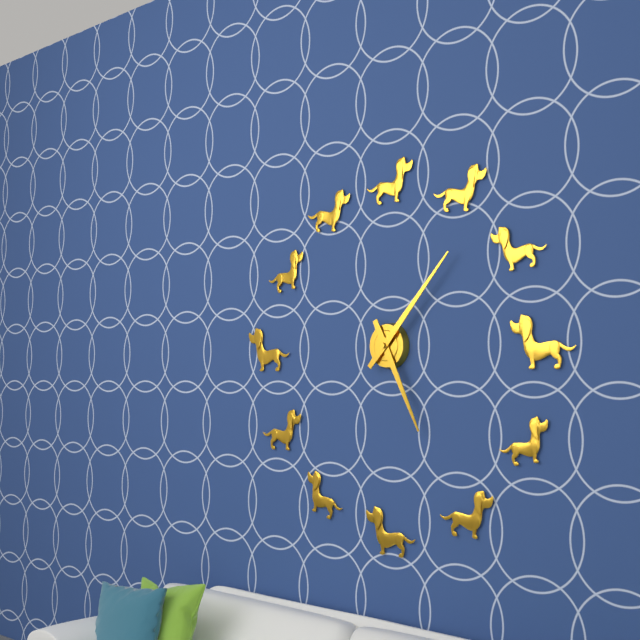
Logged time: 5 h 07 min
